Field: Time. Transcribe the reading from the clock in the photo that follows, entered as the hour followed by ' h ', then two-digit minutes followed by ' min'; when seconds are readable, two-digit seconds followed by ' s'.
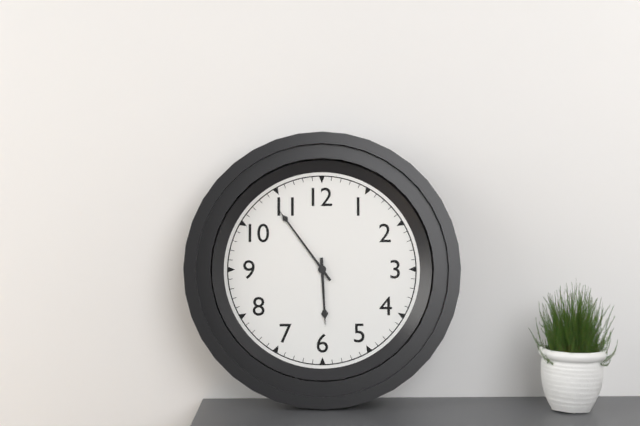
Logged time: 5 h 54 min
